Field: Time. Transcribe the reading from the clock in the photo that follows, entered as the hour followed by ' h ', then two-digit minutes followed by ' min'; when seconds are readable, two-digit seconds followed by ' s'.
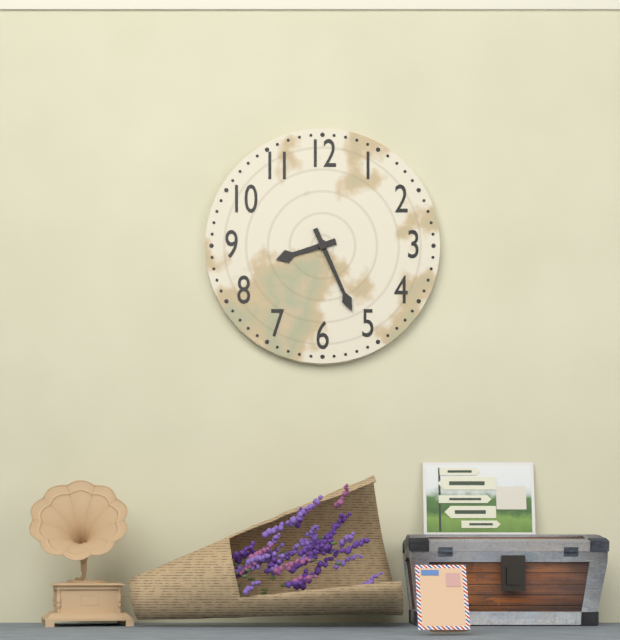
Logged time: 8 h 26 min
